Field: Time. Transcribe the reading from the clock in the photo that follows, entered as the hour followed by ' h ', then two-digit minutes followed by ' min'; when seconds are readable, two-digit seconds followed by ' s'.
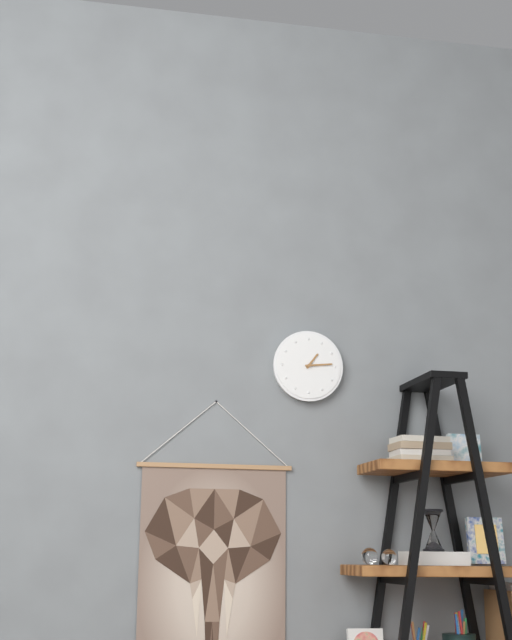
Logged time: 1 h 14 min
